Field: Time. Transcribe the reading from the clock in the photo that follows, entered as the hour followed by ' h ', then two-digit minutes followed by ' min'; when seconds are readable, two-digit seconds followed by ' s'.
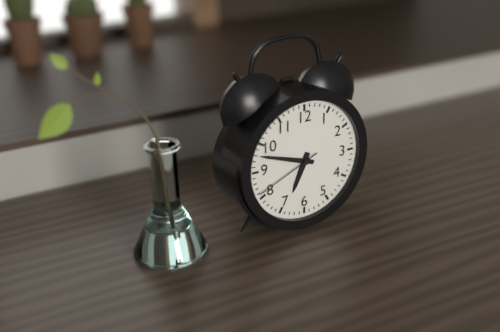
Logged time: 6 h 48 min 41 s
